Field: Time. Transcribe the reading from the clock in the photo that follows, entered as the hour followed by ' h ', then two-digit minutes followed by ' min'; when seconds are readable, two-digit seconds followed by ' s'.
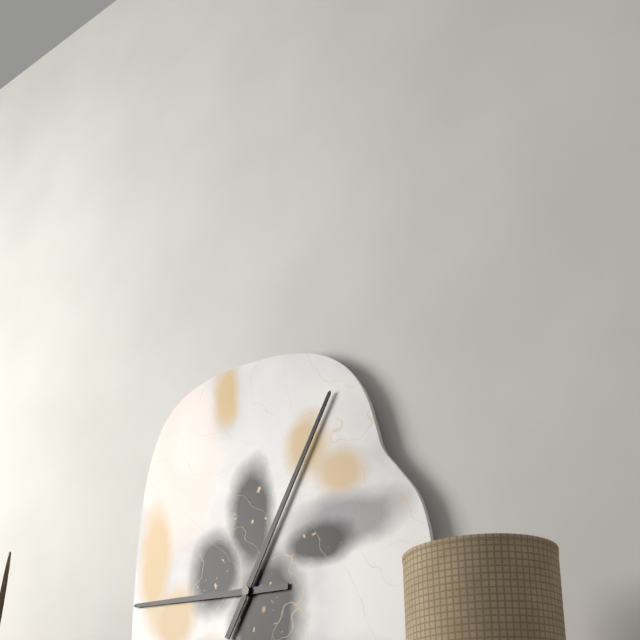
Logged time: 9 h 05 min
